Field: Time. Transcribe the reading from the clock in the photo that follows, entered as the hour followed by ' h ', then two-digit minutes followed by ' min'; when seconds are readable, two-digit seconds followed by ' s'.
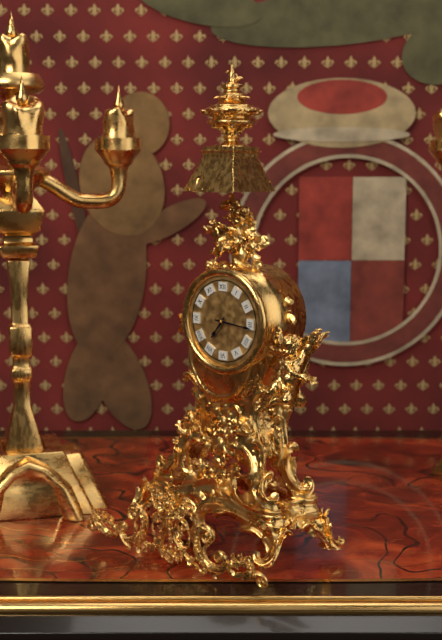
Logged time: 7 h 16 min
